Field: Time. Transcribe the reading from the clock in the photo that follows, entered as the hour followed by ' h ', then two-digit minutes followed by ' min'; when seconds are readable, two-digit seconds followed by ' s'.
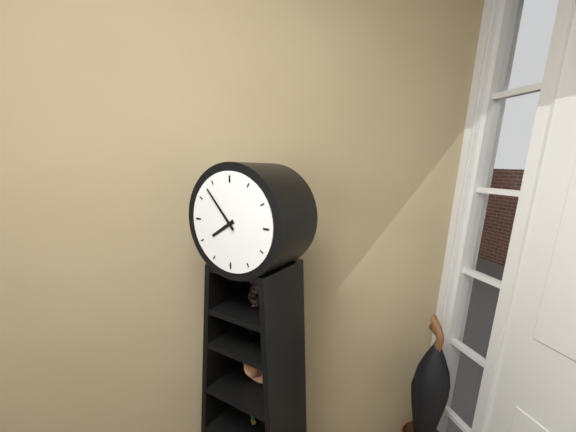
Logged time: 7 h 53 min
